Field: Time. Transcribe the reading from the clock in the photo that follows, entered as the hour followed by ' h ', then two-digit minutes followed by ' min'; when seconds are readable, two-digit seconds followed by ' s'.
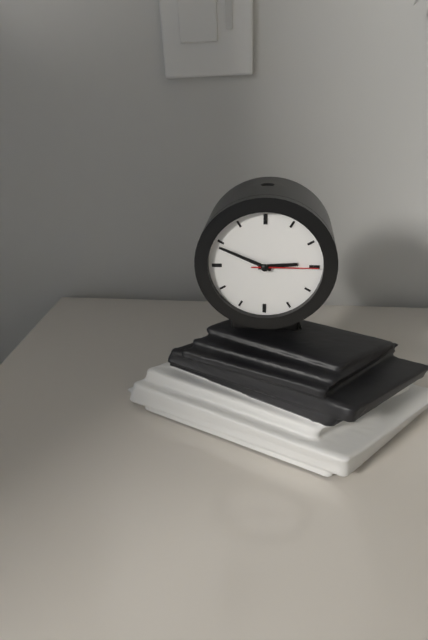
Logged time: 2 h 49 min 15 s
